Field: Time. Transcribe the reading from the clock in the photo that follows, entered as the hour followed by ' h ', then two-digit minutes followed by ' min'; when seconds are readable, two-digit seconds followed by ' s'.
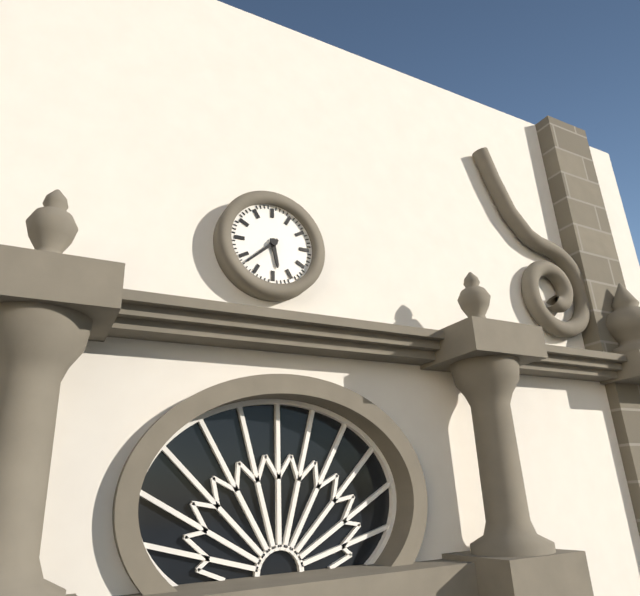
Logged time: 5 h 38 min
